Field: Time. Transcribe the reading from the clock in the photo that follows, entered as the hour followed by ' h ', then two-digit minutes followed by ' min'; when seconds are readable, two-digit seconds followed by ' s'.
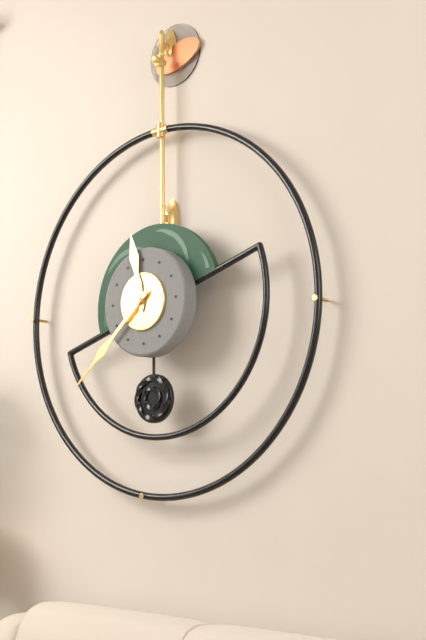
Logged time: 11 h 38 min
